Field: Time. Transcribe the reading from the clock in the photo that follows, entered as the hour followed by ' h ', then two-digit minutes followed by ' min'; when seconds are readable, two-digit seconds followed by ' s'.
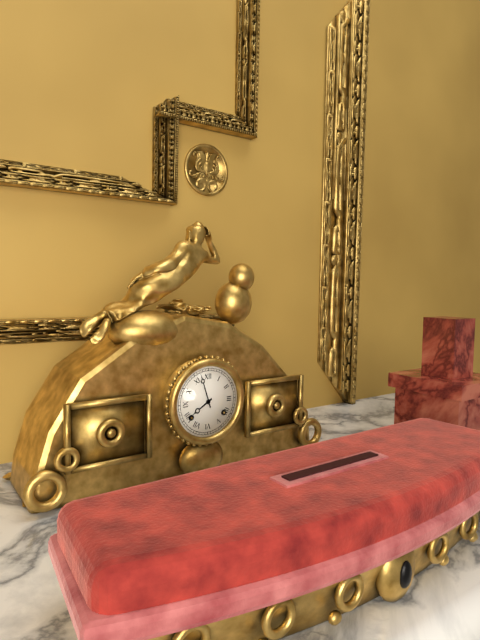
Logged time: 7 h 57 min
